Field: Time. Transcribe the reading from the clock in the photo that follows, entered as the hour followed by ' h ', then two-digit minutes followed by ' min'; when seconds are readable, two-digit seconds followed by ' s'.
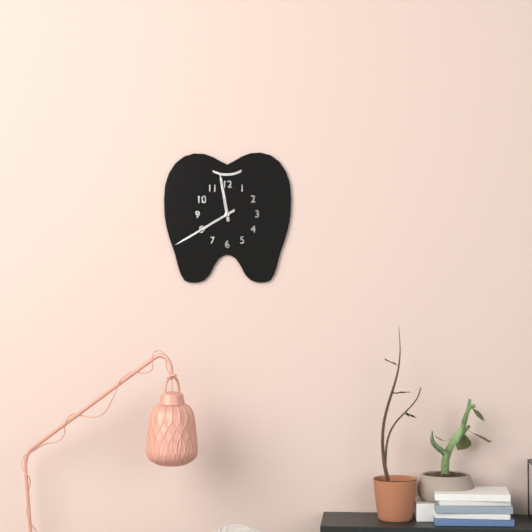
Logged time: 11 h 40 min
